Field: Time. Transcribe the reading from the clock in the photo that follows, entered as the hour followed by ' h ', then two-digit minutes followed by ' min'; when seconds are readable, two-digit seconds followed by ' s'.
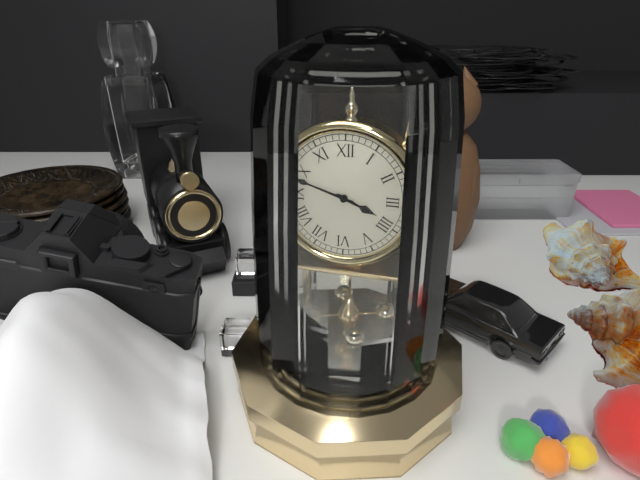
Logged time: 3 h 48 min
